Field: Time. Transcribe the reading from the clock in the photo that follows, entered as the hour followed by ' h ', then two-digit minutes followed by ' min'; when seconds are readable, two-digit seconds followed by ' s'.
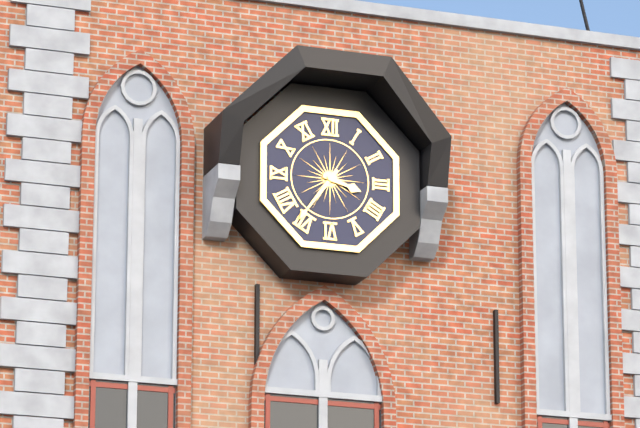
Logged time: 3 h 36 min
